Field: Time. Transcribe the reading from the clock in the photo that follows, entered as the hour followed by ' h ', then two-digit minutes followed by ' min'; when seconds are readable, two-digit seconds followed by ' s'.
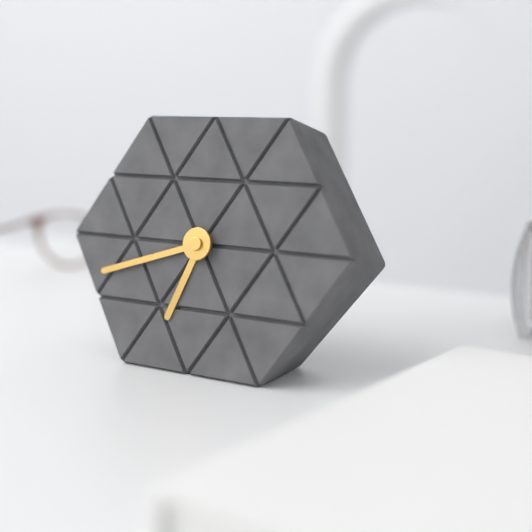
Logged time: 6 h 42 min
